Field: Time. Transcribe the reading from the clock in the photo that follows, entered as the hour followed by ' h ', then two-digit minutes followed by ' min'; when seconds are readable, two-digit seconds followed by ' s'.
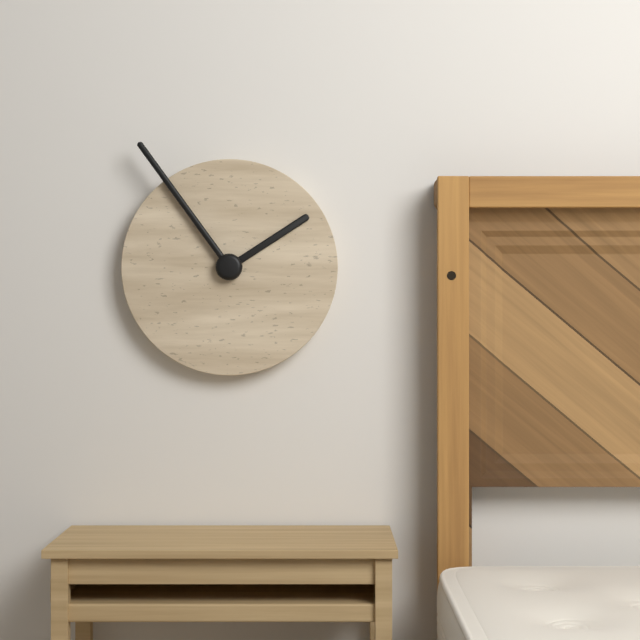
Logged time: 1 h 54 min
